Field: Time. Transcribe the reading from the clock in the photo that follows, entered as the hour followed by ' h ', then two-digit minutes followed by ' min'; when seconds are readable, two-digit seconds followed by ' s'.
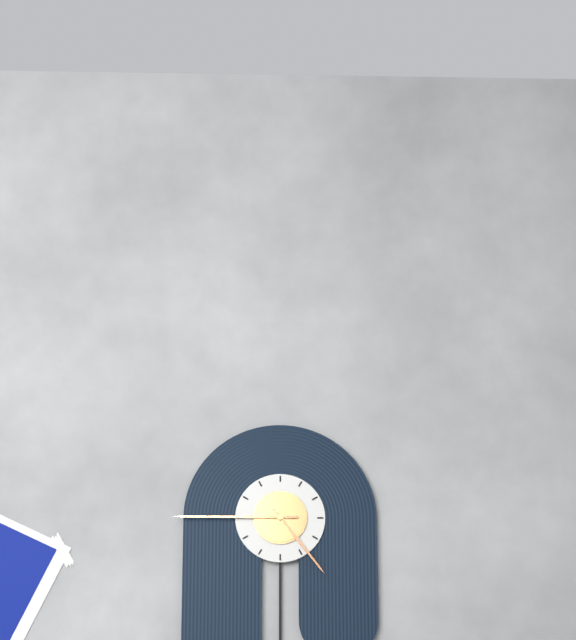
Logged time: 4 h 45 min
